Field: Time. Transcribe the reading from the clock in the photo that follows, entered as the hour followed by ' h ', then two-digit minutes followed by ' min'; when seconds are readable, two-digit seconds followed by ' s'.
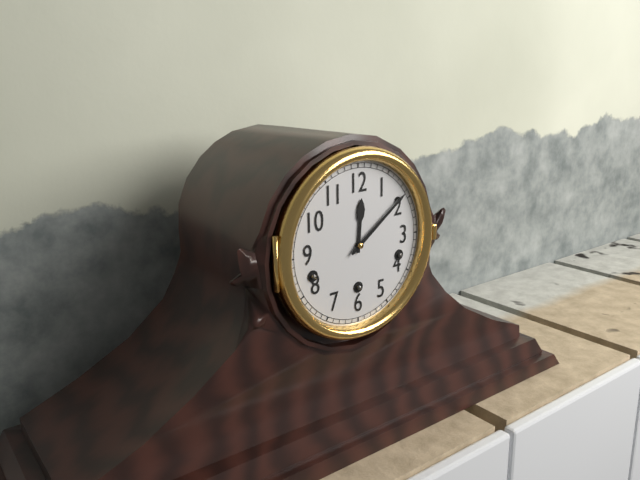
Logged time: 12 h 09 min
